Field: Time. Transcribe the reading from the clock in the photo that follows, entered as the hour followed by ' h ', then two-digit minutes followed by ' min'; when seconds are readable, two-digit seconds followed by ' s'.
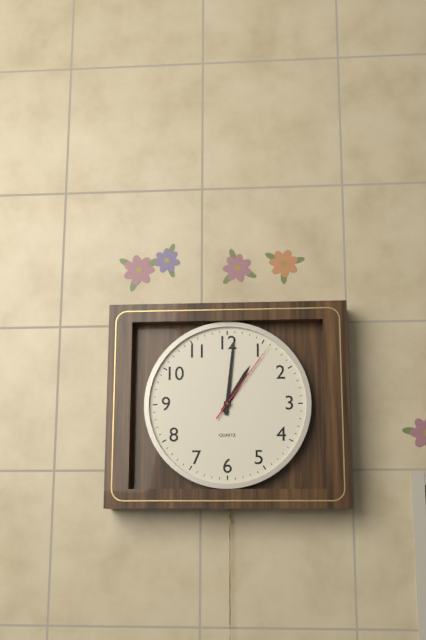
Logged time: 1 h 01 min 06 s
